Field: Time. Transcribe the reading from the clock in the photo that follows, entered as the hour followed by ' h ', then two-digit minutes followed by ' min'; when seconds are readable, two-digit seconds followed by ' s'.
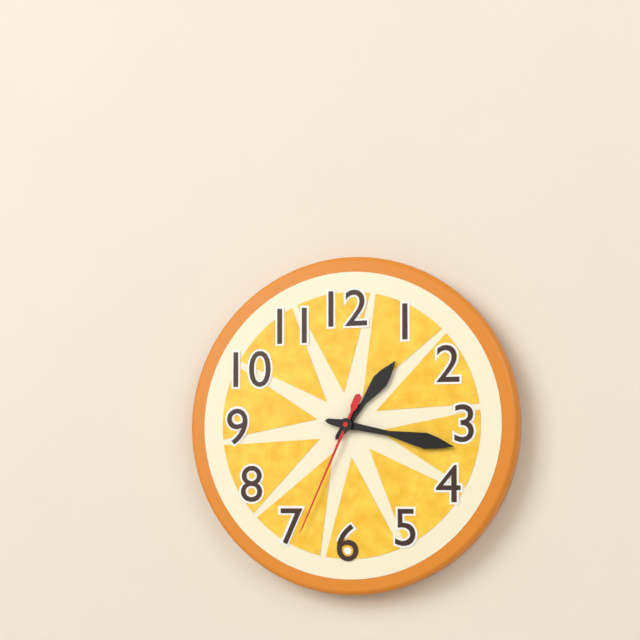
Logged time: 1 h 17 min 34 s
